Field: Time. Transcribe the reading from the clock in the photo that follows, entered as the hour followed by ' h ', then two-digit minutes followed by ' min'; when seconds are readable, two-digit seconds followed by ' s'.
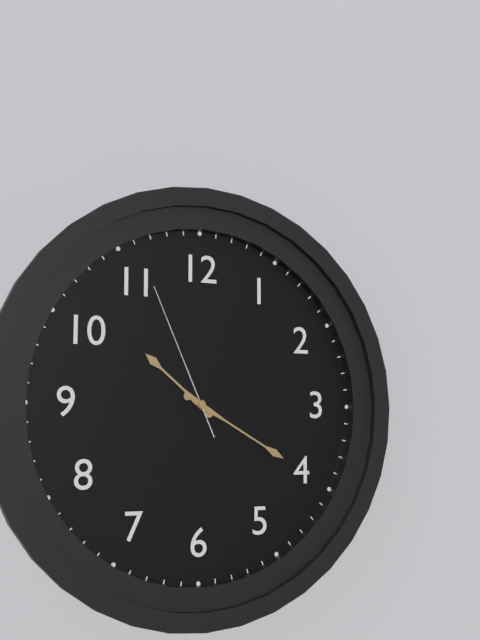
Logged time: 10 h 20 min 56 s
